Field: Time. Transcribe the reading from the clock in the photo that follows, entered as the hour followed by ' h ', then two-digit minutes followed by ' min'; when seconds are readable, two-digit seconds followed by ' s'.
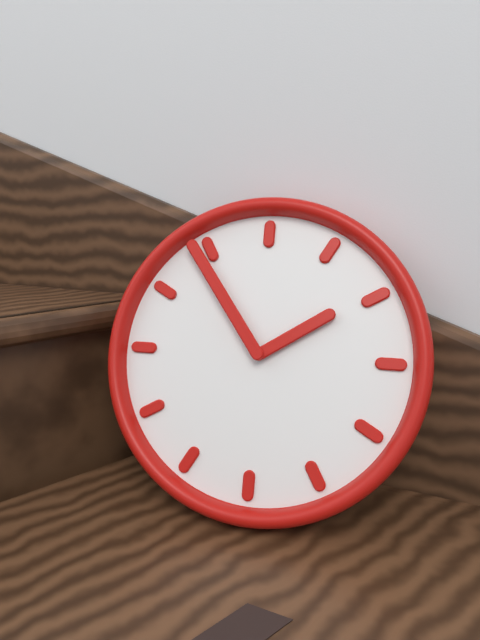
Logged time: 1 h 54 min
